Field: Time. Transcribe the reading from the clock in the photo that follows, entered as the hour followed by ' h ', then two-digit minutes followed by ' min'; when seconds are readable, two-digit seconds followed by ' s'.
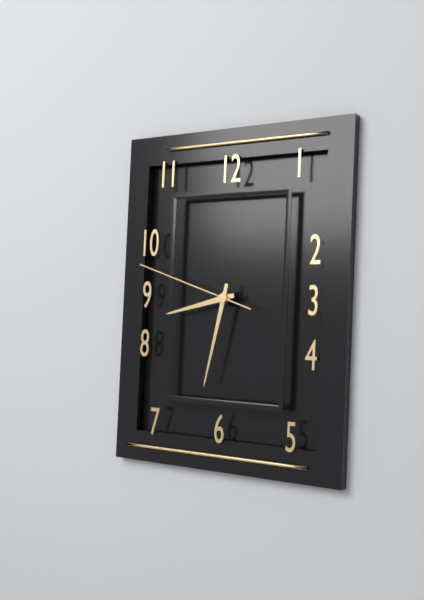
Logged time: 8 h 32 min 48 s
